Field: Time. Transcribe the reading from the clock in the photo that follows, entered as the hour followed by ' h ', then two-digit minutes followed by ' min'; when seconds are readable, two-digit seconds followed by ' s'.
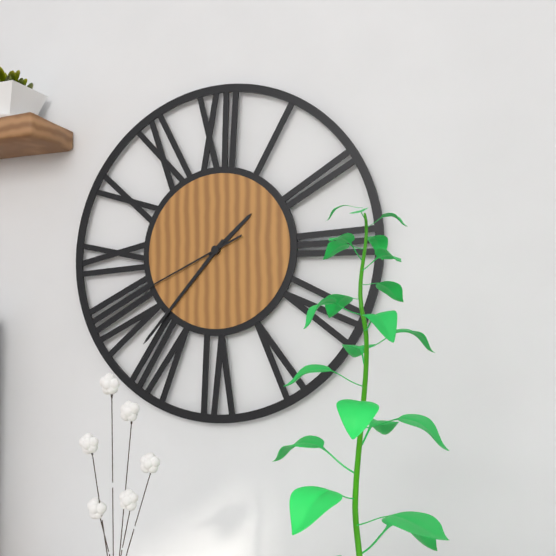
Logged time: 1 h 37 min 41 s
